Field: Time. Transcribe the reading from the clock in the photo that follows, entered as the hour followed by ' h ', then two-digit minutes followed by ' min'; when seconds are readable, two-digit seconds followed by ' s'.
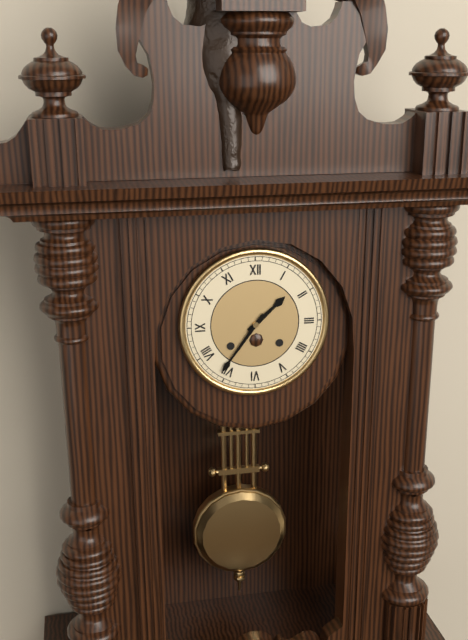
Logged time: 1 h 36 min
